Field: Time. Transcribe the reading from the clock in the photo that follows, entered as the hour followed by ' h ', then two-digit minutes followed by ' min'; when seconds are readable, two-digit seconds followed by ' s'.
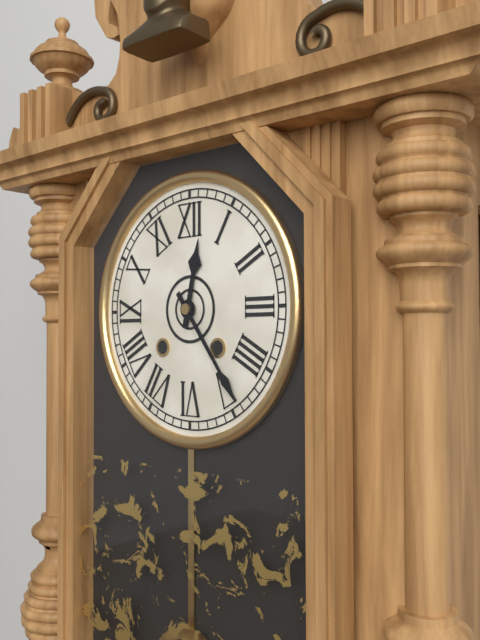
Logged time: 12 h 24 min
